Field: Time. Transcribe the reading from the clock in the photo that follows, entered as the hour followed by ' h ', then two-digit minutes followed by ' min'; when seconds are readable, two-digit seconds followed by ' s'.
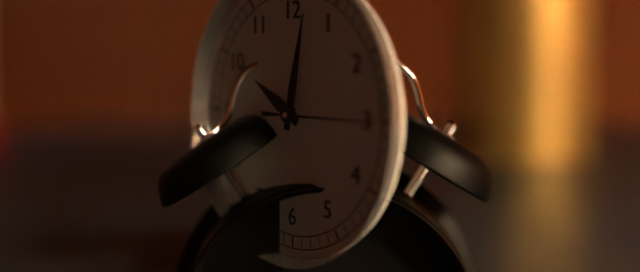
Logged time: 10 h 02 min 15 s
